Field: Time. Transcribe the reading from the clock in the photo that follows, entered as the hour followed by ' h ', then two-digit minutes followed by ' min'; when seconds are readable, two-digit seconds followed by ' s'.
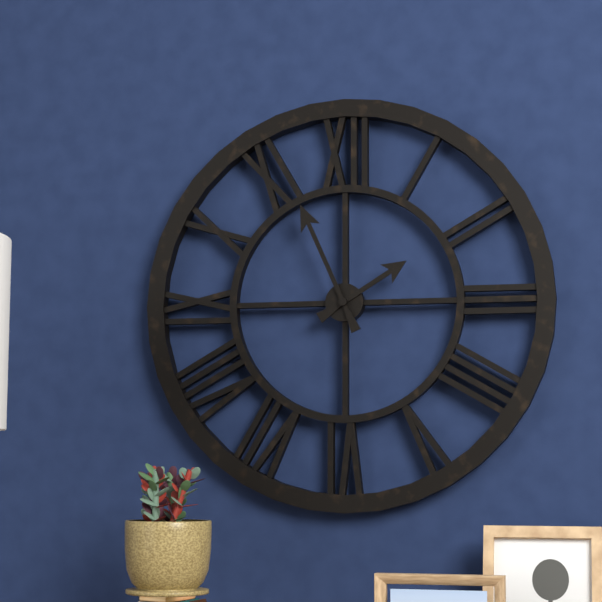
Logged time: 1 h 56 min
